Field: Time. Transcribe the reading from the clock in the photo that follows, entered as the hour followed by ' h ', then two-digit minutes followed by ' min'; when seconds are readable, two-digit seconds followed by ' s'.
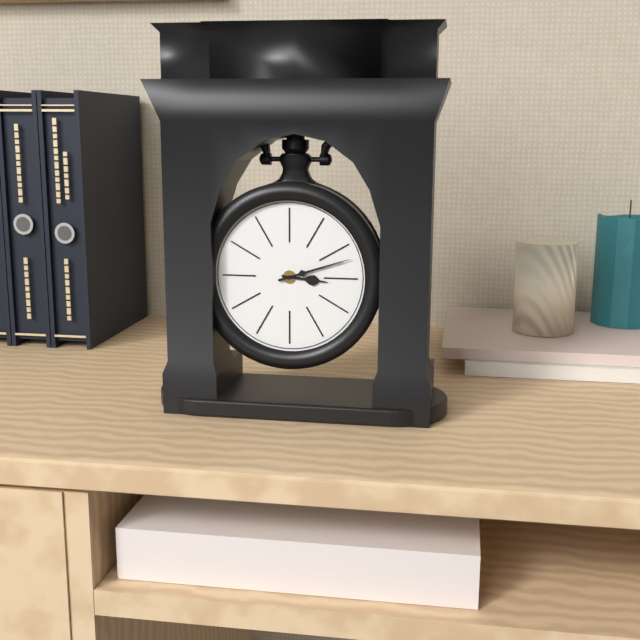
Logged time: 3 h 12 min
